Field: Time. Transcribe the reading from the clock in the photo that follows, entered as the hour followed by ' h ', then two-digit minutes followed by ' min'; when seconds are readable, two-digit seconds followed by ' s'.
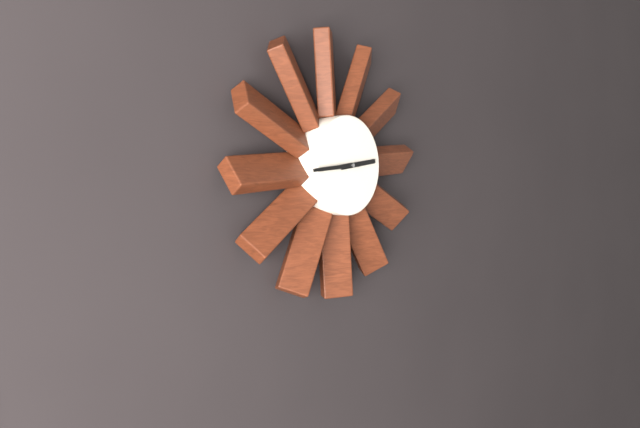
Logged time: 2 h 44 min
